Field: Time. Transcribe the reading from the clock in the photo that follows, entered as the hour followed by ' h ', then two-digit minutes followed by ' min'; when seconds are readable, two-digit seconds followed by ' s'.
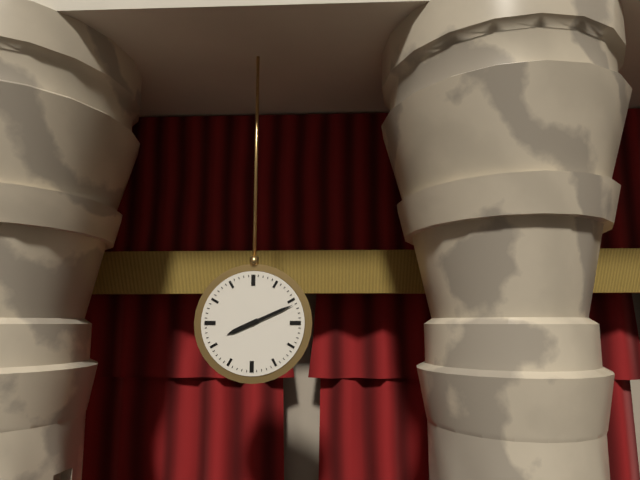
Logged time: 8 h 11 min
